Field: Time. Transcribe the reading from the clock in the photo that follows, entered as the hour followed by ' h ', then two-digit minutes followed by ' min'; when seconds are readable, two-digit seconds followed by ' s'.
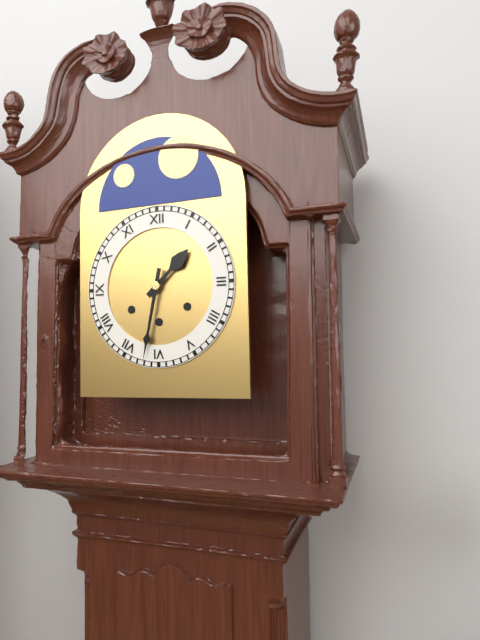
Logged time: 1 h 32 min
